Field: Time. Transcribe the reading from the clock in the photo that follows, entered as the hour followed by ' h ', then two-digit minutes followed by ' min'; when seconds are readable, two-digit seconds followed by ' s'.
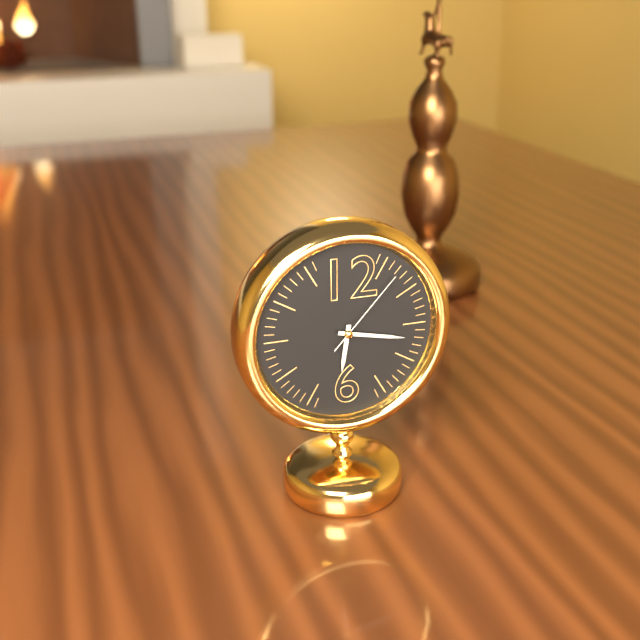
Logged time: 6 h 17 min 07 s
